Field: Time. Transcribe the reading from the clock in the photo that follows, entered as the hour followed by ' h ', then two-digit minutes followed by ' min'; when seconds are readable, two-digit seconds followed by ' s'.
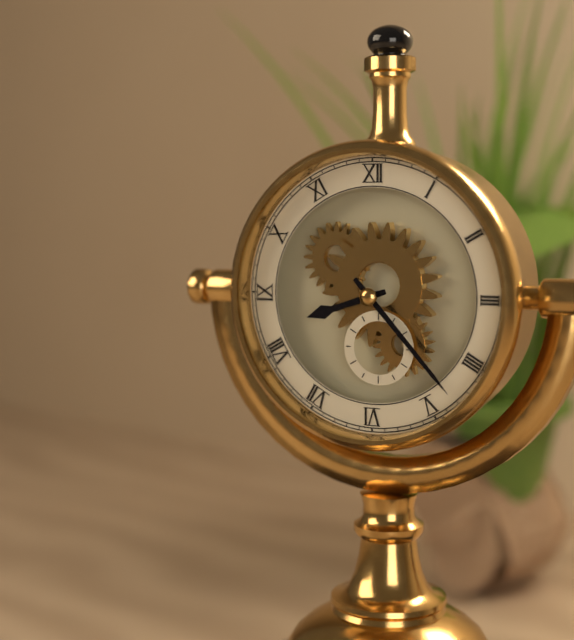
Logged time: 8 h 23 min
